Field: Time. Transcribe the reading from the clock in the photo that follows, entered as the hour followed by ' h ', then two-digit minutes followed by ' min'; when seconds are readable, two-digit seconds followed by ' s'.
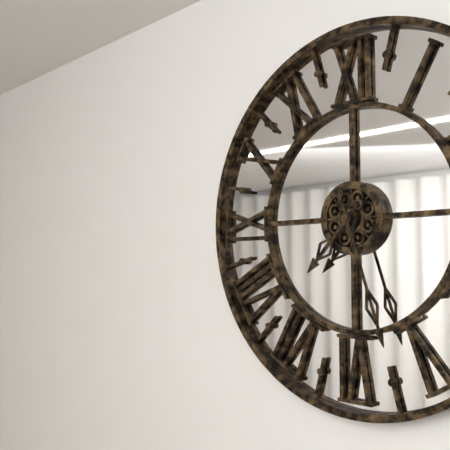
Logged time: 7 h 27 min
